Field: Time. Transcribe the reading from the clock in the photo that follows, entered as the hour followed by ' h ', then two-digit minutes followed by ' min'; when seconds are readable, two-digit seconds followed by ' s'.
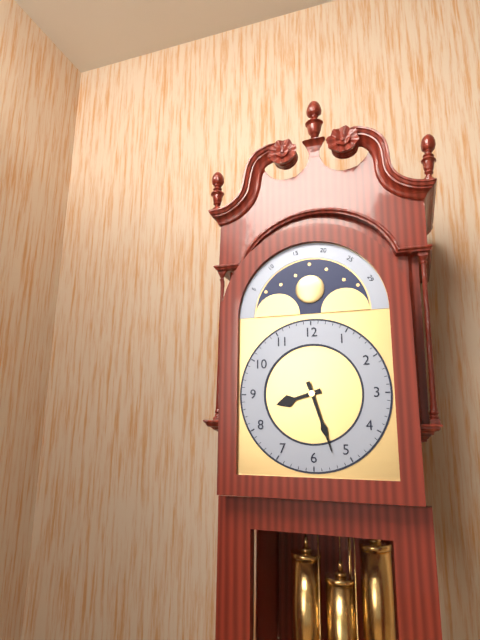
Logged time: 8 h 27 min
